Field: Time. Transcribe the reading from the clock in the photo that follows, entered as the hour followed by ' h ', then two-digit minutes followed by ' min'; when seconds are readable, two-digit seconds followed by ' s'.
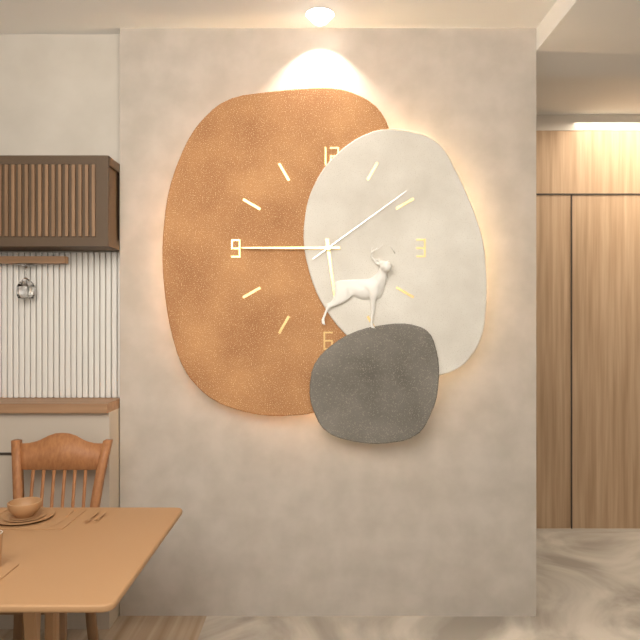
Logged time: 5 h 45 min 09 s
